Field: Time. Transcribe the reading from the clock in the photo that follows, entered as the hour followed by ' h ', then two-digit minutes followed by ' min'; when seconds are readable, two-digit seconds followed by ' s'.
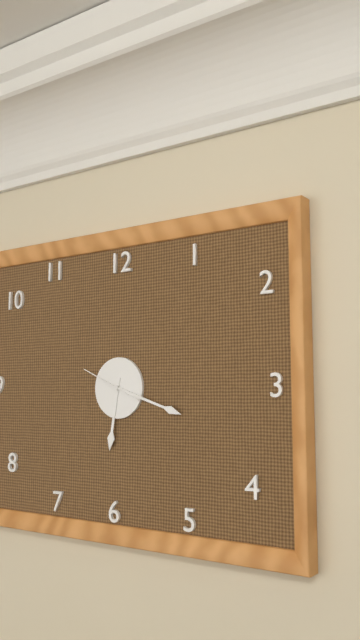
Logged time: 6 h 18 min
